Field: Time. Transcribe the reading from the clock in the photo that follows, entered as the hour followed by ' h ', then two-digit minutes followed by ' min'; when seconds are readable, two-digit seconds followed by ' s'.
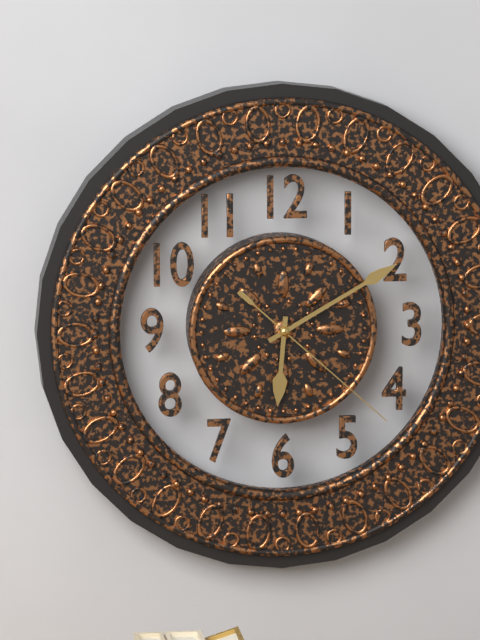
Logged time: 6 h 10 min 22 s
